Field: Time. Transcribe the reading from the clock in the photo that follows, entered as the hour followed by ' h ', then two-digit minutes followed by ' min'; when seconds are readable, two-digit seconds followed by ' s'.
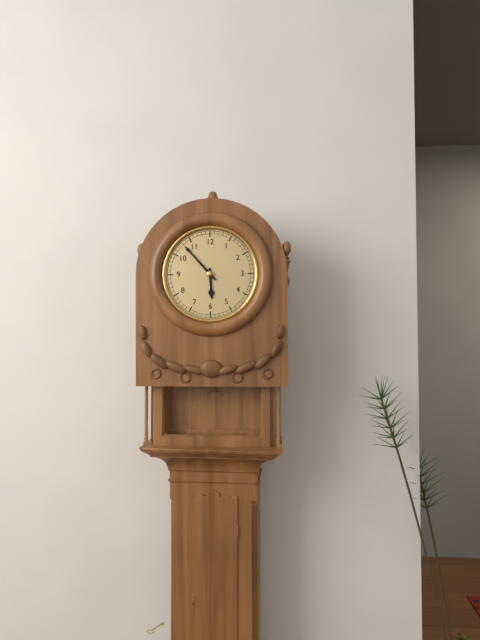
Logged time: 5 h 53 min
